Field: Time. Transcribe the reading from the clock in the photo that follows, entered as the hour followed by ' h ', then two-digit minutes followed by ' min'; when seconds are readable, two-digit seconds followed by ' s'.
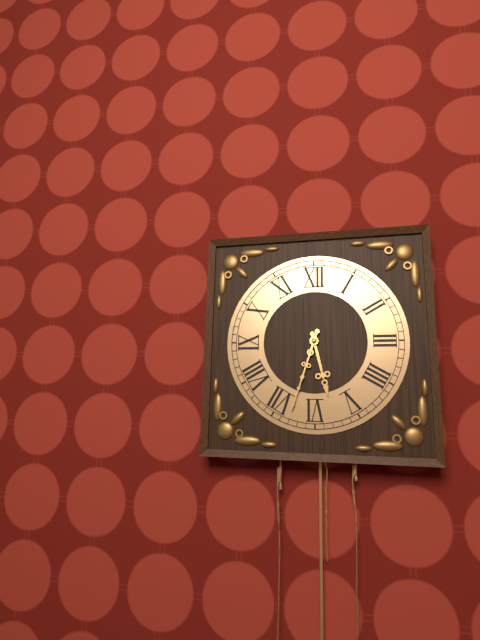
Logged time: 5 h 33 min
